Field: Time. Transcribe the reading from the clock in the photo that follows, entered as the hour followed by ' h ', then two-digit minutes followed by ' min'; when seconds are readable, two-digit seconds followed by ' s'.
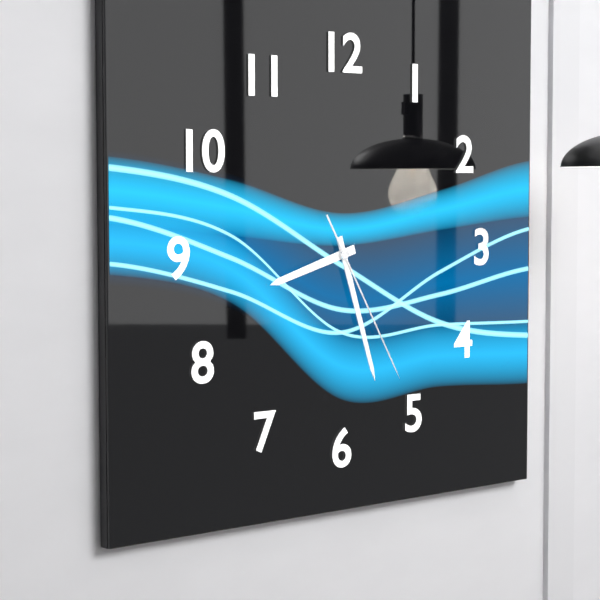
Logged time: 8 h 27 min 25 s
